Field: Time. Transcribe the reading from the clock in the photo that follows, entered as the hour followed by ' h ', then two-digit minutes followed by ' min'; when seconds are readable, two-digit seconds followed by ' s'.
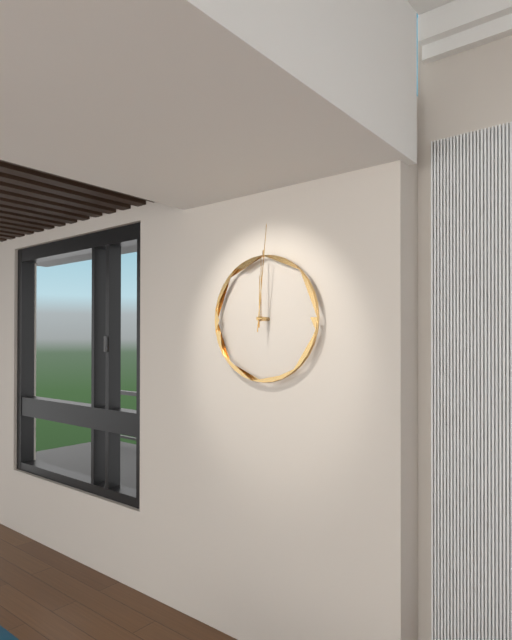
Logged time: 12 h 01 min
